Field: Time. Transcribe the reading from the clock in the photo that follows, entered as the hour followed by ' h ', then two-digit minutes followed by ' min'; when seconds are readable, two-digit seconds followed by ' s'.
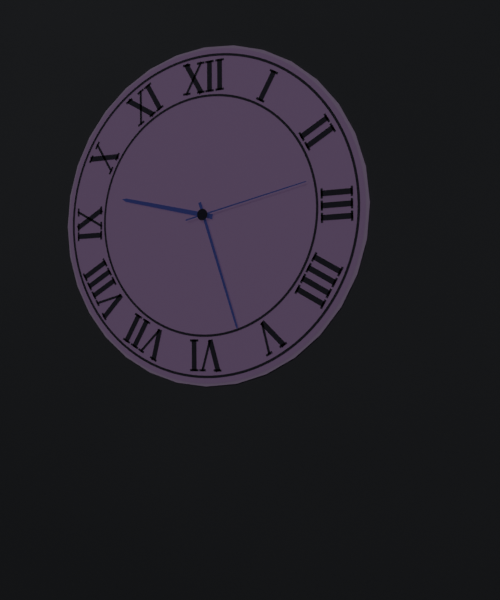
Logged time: 9 h 27 min 13 s
